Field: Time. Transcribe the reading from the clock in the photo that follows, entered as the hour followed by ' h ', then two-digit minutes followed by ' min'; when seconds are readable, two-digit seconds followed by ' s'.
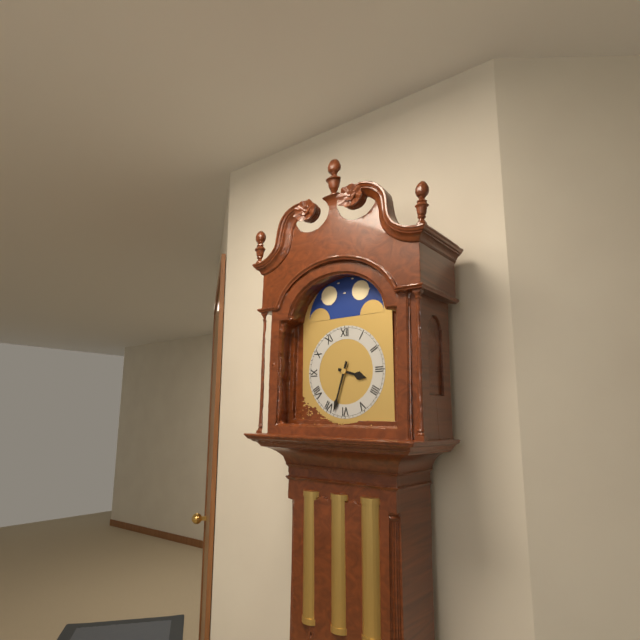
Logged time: 3 h 33 min
